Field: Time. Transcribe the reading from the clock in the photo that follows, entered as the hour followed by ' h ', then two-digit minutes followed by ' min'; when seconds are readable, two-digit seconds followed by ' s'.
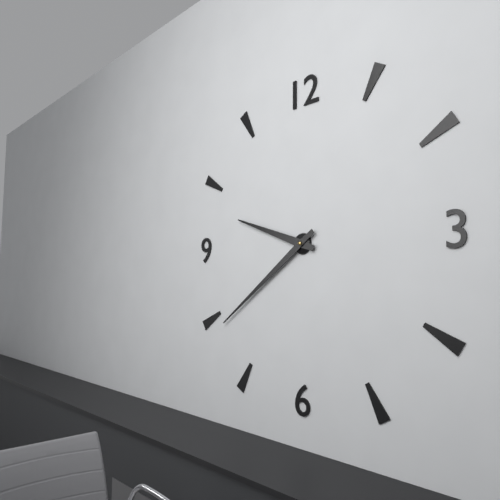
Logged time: 9 h 39 min
